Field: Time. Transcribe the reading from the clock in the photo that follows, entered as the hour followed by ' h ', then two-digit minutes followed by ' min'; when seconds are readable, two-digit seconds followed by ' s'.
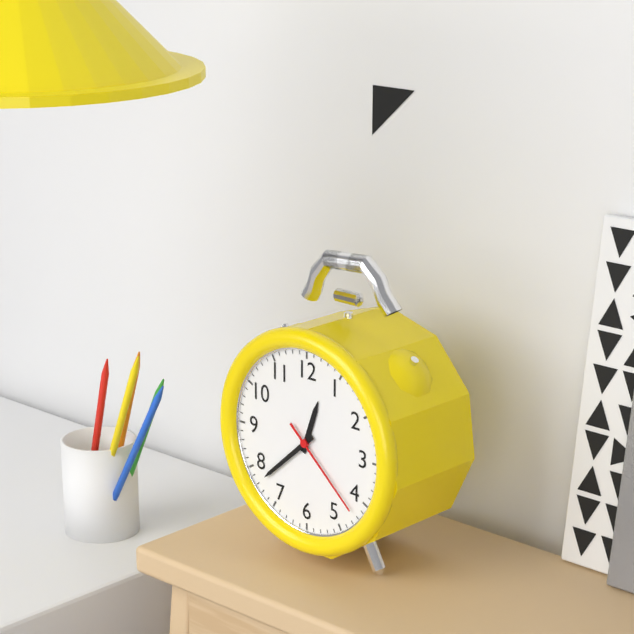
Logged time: 12 h 38 min 22 s
